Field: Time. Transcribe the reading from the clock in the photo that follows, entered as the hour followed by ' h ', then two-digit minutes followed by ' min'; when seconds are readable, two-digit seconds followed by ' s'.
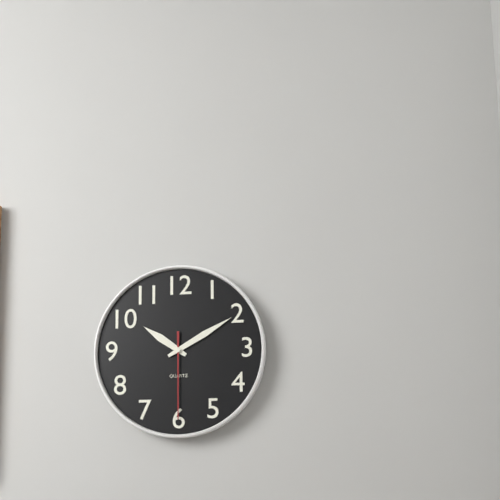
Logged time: 10 h 10 min 30 s
